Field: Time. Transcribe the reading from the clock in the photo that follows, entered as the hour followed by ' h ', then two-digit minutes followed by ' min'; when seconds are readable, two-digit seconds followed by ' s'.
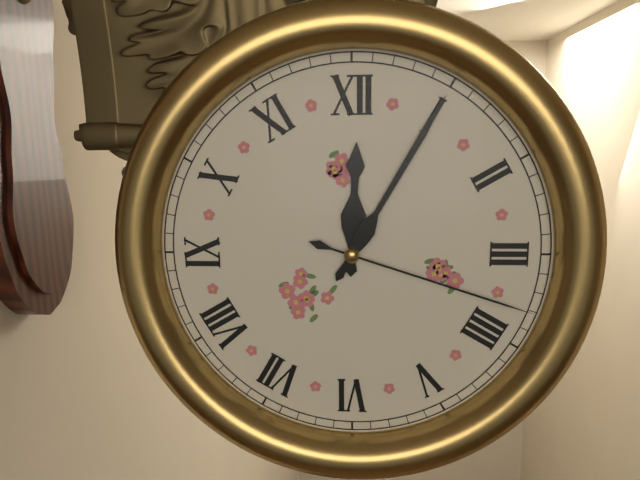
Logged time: 12 h 05 min 18 s
